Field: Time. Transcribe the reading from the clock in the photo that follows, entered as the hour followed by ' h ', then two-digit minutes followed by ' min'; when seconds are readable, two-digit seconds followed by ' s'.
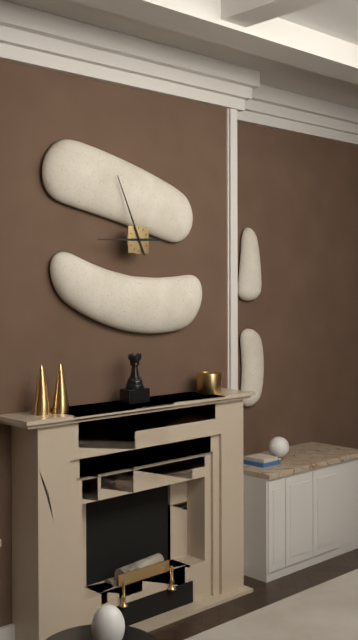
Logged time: 8 h 56 min
